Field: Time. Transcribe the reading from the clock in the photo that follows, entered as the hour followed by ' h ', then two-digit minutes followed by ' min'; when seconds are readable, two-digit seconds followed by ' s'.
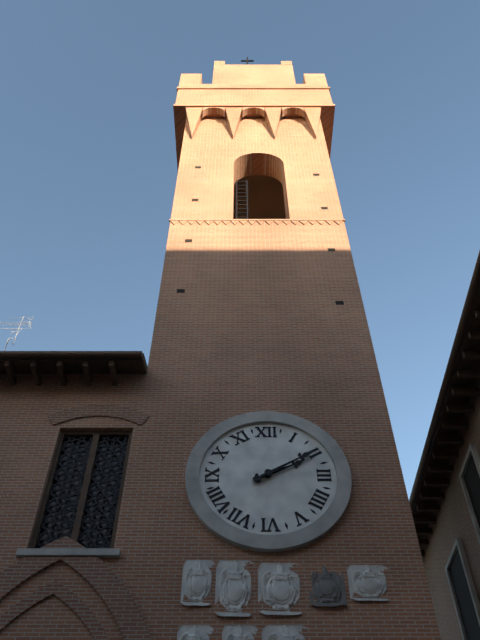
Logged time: 2 h 10 min
